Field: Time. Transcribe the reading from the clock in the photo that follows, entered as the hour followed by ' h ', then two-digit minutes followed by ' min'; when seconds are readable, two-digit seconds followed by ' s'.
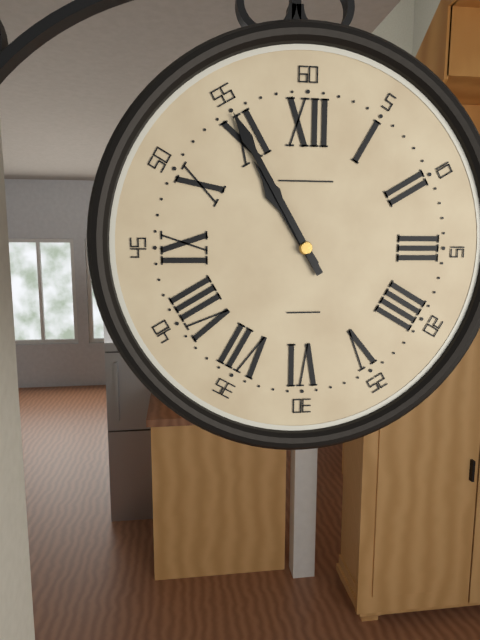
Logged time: 10 h 55 min
